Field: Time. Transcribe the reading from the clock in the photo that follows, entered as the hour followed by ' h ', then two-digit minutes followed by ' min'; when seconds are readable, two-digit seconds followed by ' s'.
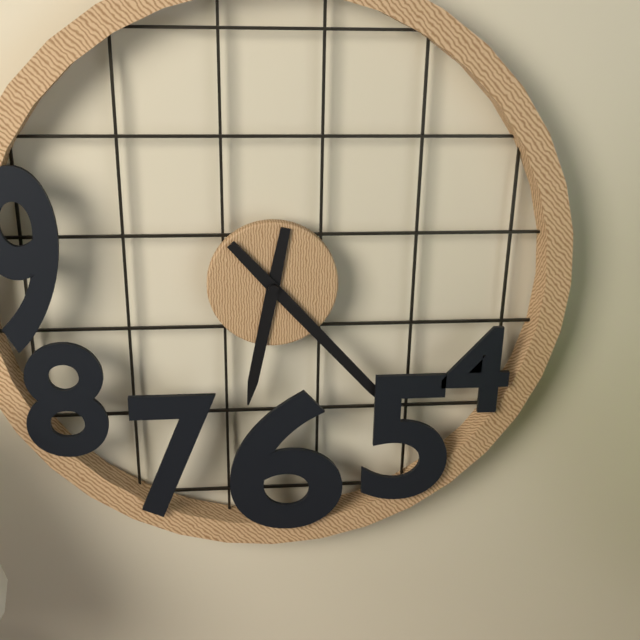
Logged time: 6 h 23 min
